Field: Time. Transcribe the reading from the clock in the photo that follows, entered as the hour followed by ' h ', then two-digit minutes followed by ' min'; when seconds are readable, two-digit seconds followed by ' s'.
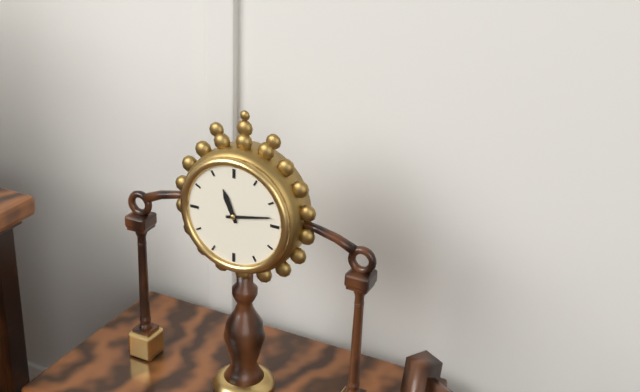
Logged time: 11 h 13 min
